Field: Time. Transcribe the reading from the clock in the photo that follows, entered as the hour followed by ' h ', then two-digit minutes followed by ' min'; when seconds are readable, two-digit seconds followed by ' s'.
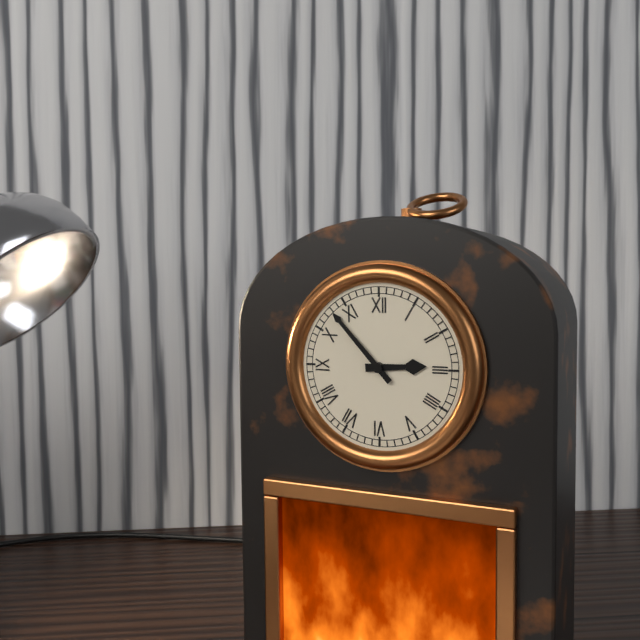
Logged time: 2 h 53 min
